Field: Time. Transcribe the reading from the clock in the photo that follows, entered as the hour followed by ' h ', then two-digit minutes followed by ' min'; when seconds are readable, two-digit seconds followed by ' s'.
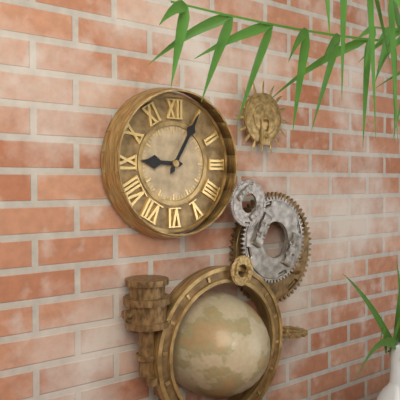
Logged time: 9 h 05 min
